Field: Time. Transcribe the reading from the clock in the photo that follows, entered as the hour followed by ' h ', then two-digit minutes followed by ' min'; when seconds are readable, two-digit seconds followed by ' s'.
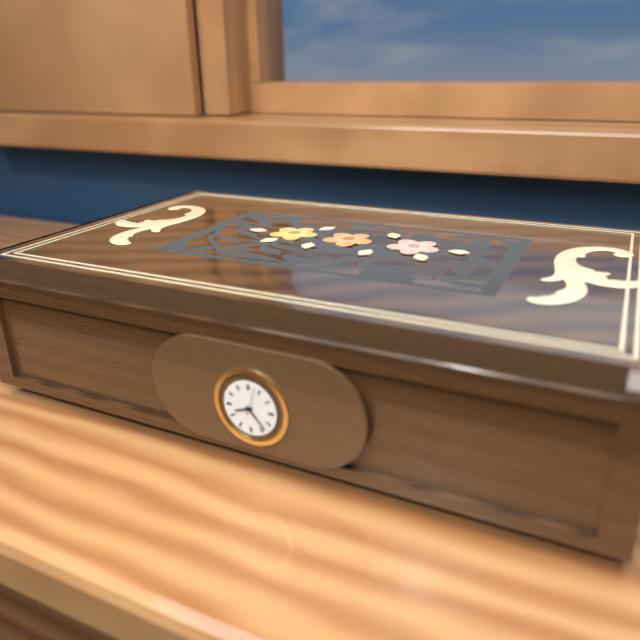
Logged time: 8 h 23 min 03 s
